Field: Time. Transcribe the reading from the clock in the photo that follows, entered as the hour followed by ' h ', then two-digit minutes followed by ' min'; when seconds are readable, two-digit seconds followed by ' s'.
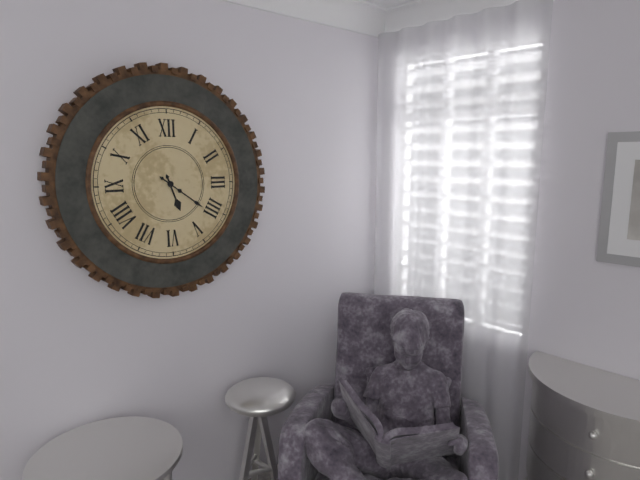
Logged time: 5 h 21 min
